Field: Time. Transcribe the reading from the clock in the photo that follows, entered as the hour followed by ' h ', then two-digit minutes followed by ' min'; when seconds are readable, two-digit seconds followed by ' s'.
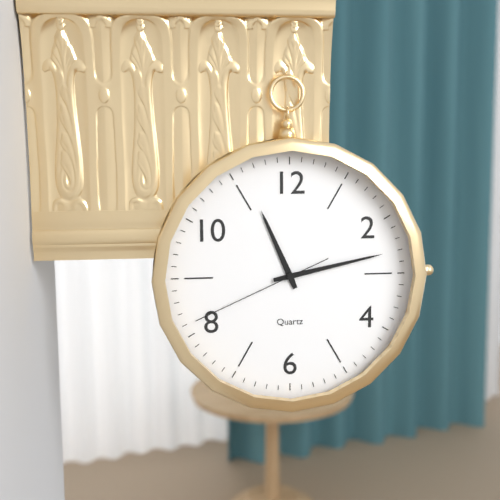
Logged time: 11 h 13 min 41 s
